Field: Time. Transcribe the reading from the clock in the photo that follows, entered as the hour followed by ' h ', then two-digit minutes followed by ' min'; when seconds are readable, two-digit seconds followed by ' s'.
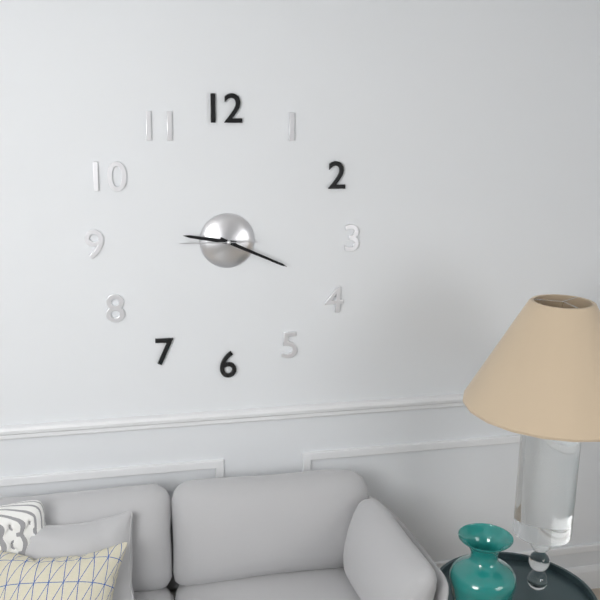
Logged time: 9 h 19 min 45 s
